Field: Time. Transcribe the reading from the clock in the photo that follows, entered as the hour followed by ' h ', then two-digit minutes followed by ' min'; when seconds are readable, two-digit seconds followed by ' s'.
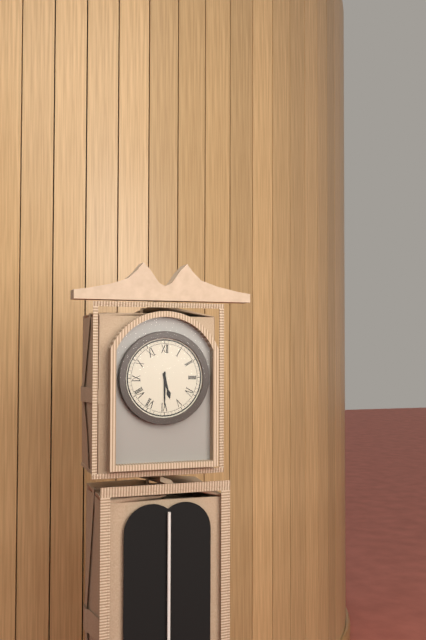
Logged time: 5 h 30 min
